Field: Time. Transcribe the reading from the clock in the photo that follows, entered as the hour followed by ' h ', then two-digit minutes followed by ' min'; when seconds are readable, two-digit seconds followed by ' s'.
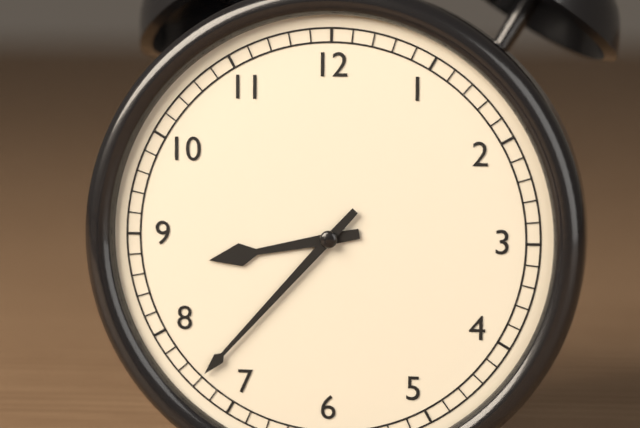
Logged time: 8 h 37 min
